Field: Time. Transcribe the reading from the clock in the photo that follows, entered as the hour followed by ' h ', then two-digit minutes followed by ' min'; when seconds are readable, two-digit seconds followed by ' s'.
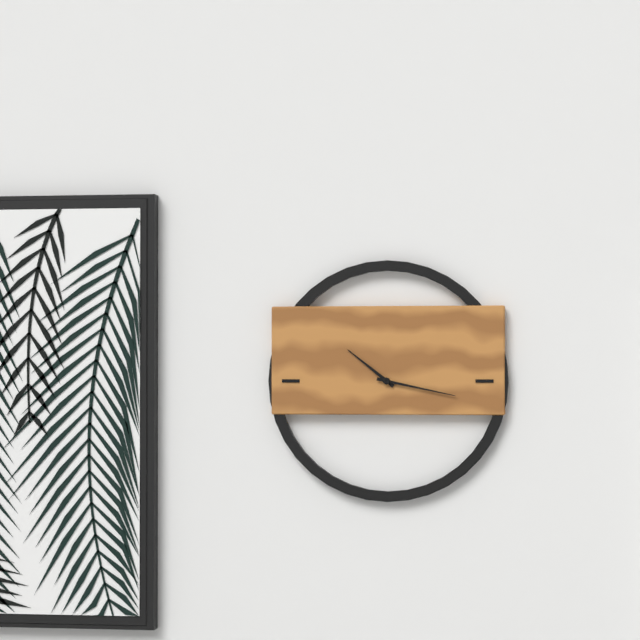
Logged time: 10 h 17 min
